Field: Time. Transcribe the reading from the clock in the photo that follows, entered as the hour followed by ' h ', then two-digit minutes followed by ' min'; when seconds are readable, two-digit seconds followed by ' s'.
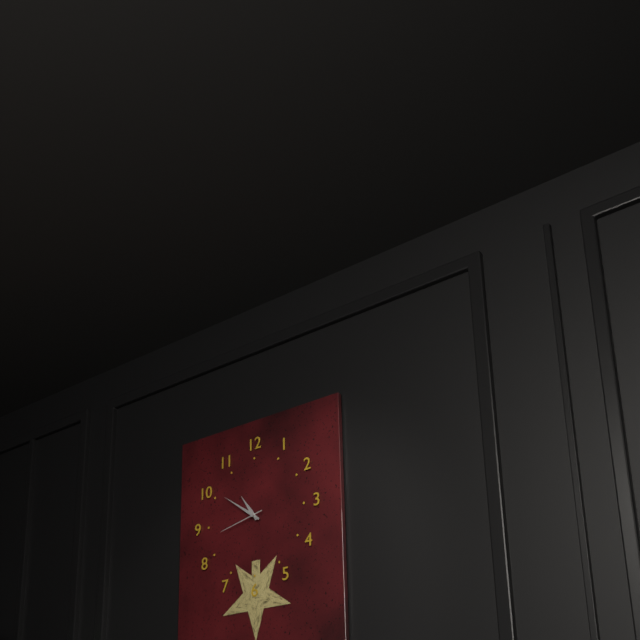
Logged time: 10 h 51 min
